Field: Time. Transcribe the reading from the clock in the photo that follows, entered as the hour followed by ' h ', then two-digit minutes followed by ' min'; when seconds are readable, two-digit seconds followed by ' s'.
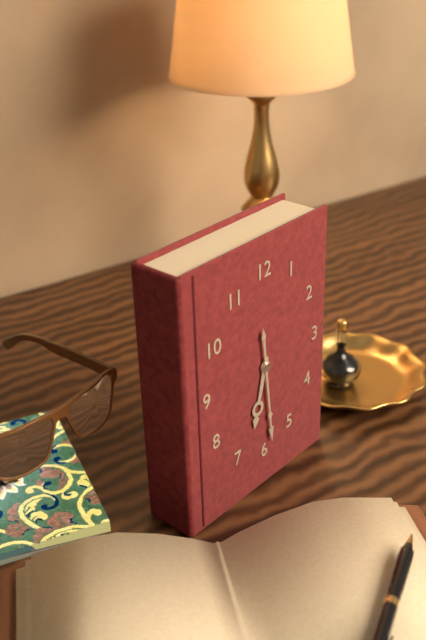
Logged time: 6 h 29 min
